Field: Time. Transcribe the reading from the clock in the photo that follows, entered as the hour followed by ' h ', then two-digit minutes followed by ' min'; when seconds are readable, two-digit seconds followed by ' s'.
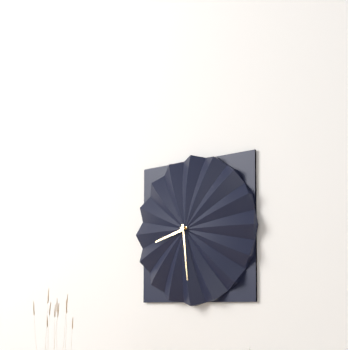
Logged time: 8 h 29 min
